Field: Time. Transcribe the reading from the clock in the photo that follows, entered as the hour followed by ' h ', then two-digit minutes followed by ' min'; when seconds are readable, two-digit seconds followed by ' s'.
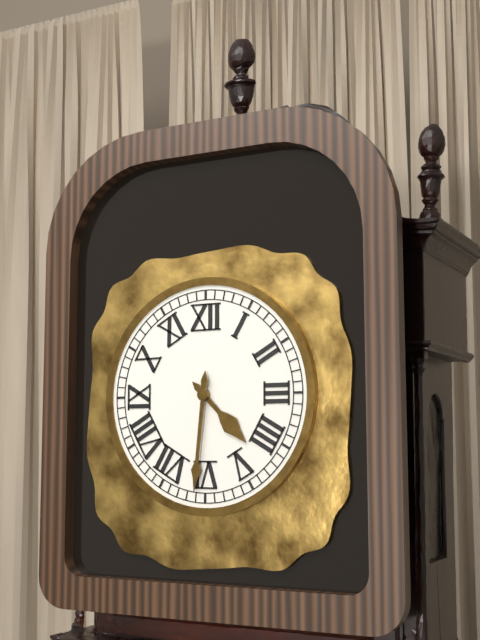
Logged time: 4 h 31 min
